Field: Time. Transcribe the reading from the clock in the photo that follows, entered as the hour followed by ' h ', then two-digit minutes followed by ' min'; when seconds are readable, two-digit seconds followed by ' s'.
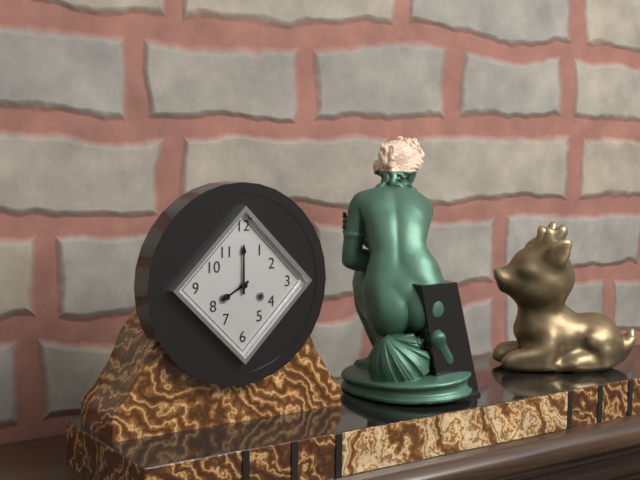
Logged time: 8 h 00 min
